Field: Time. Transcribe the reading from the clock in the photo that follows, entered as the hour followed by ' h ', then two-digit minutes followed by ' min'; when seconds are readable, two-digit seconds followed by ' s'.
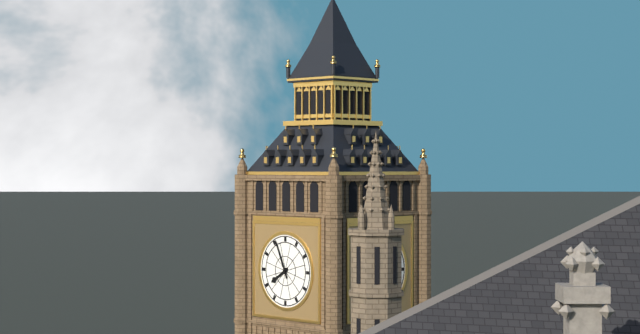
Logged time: 7 h 56 min
